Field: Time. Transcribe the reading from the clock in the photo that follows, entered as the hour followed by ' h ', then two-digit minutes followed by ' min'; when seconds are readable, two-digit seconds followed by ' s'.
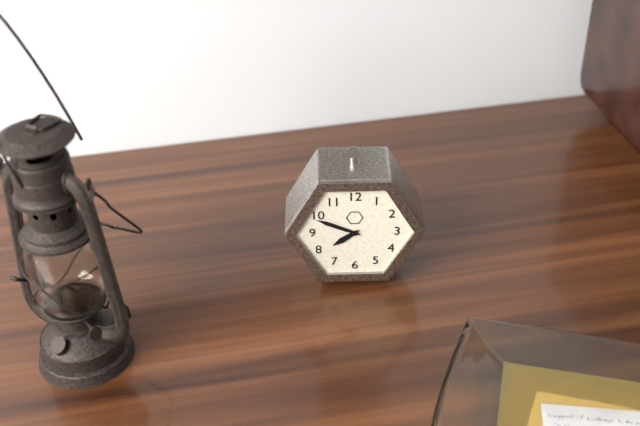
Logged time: 7 h 49 min
